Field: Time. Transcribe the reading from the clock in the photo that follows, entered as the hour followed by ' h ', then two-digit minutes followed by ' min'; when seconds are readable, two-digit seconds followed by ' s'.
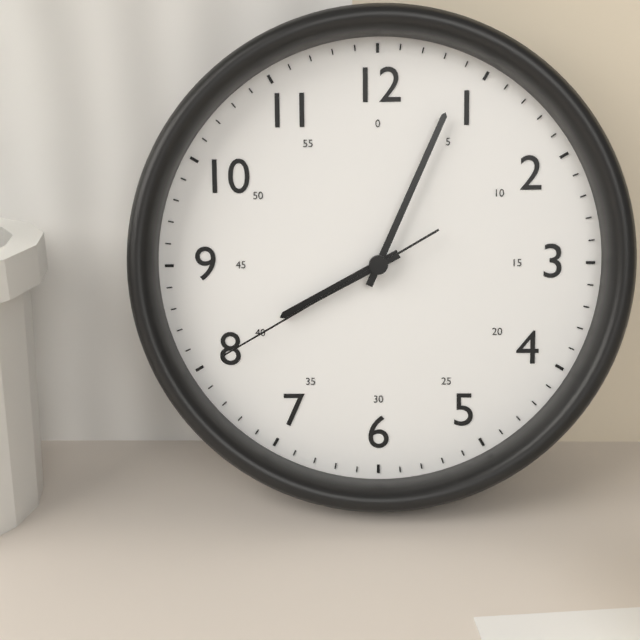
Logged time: 8 h 04 min 40 s
